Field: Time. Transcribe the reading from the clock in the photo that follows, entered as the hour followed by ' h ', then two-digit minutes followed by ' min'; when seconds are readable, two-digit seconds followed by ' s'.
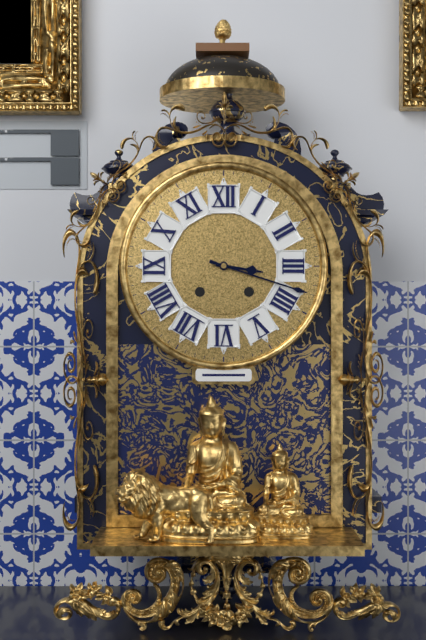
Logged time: 3 h 18 min
